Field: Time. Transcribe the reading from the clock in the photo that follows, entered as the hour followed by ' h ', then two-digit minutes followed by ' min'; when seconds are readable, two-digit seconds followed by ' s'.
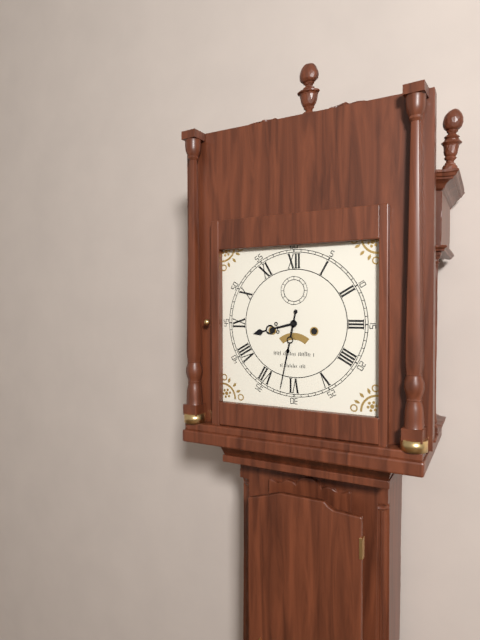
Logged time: 8 h 32 min
